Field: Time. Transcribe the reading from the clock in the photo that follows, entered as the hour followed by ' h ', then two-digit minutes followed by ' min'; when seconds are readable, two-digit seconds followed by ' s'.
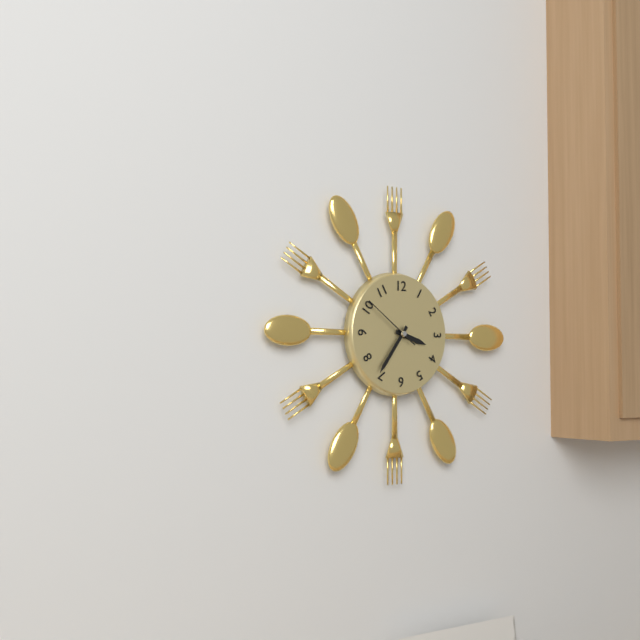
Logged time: 3 h 36 min 51 s
